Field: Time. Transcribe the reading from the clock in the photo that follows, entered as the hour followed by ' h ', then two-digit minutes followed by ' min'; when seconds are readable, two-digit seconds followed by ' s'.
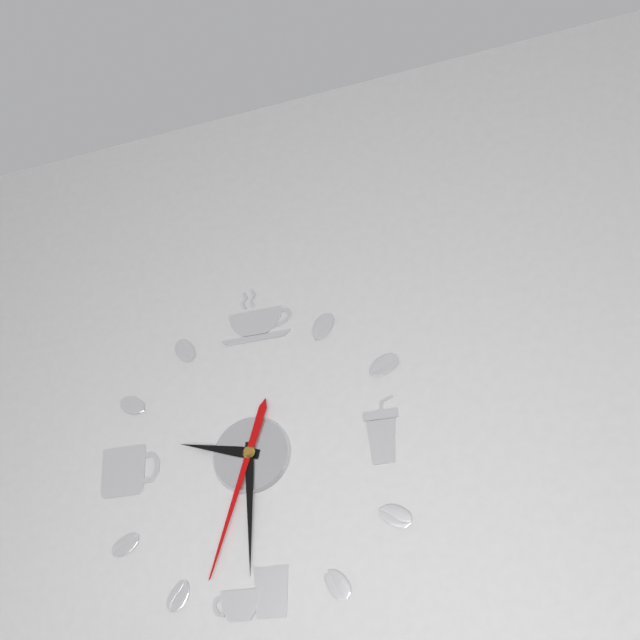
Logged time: 9 h 30 min 33 s
